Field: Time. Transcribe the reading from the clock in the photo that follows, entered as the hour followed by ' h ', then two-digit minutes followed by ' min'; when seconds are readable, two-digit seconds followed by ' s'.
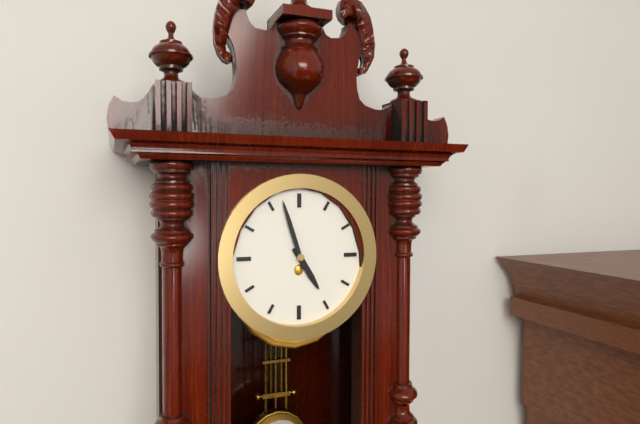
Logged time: 4 h 57 min
